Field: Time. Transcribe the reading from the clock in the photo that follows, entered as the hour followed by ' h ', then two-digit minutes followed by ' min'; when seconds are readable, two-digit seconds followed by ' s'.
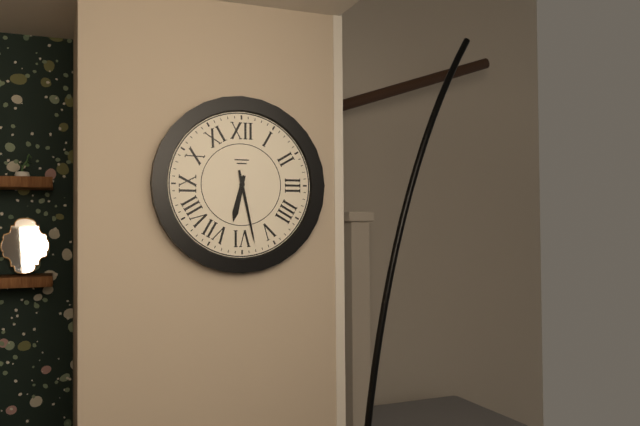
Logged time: 6 h 28 min
